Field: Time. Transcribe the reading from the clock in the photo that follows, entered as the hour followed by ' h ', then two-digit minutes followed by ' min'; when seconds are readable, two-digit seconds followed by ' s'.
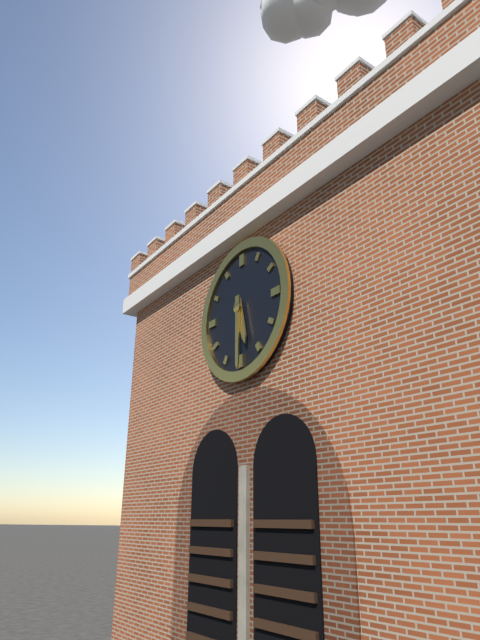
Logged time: 5 h 30 min
